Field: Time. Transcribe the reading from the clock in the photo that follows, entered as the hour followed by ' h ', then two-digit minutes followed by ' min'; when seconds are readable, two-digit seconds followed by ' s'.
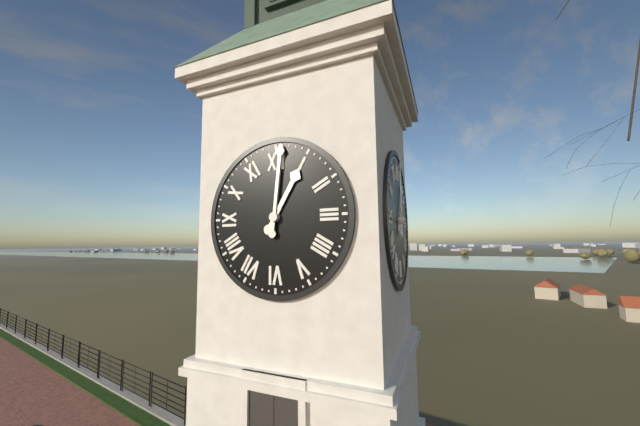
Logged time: 1 h 01 min
